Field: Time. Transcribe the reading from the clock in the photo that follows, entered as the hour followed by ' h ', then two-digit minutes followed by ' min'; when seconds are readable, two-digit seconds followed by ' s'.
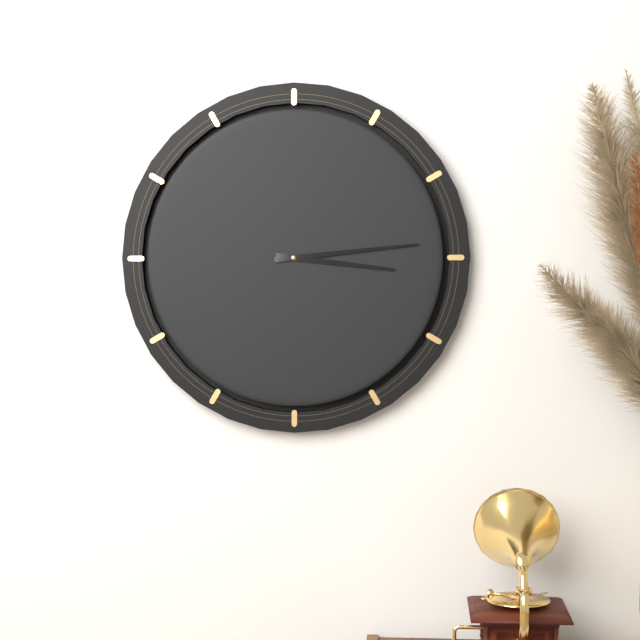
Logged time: 3 h 14 min
